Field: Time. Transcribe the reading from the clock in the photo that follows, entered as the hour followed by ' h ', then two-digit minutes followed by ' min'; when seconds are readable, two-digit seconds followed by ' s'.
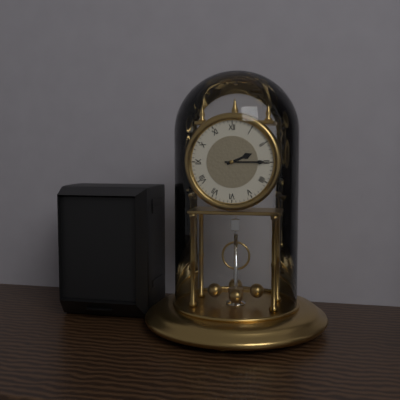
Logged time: 2 h 15 min
